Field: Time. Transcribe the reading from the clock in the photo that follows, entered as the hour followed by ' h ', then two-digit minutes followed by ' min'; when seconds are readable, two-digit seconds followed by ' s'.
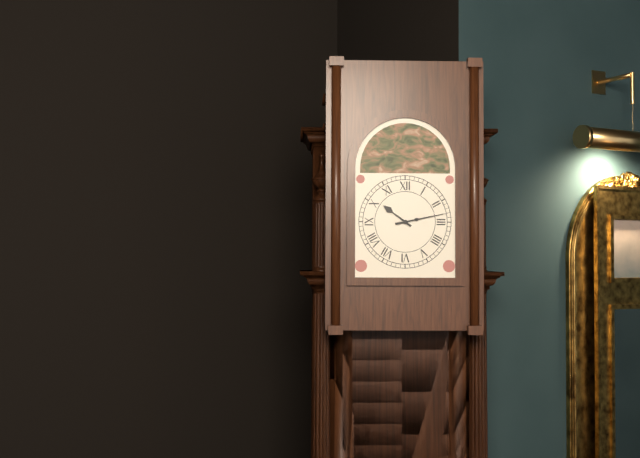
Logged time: 10 h 13 min
